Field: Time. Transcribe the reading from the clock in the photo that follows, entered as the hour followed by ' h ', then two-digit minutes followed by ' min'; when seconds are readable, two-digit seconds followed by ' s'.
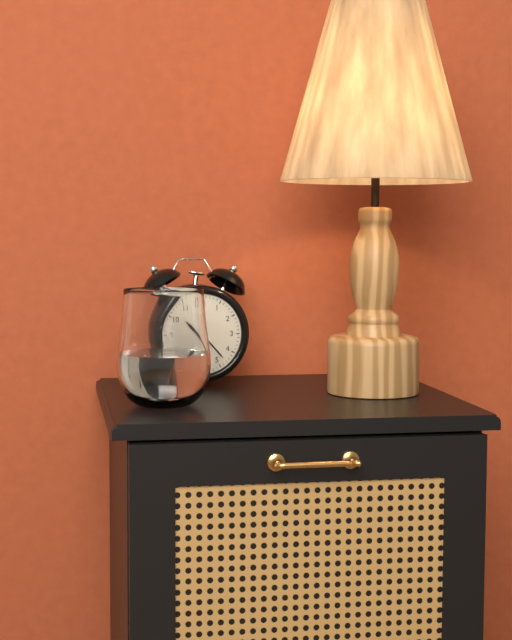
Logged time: 10 h 23 min
